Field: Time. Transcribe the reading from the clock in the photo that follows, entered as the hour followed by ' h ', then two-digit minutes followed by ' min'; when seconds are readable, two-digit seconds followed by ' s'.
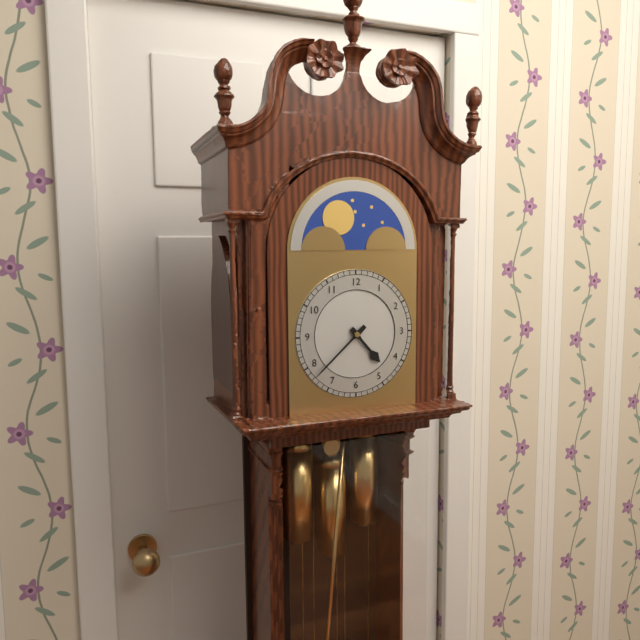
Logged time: 4 h 38 min
